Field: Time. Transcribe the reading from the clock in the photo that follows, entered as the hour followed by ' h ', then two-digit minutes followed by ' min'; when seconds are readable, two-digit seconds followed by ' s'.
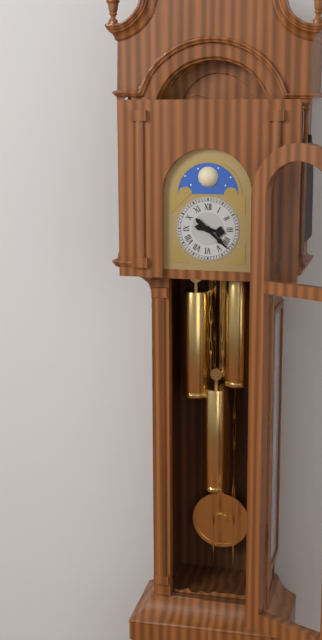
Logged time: 3 h 22 min
